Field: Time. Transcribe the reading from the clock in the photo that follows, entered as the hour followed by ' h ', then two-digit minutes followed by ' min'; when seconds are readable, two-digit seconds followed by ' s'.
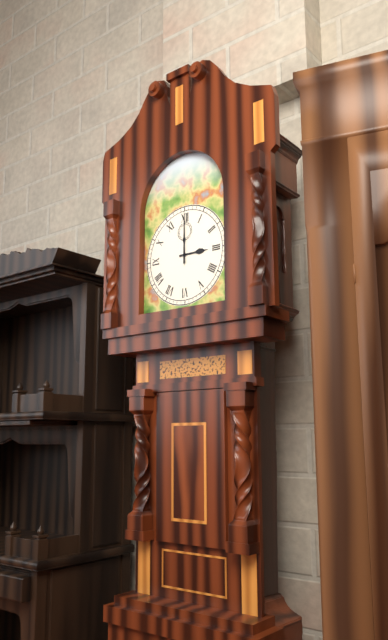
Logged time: 3 h 00 min
